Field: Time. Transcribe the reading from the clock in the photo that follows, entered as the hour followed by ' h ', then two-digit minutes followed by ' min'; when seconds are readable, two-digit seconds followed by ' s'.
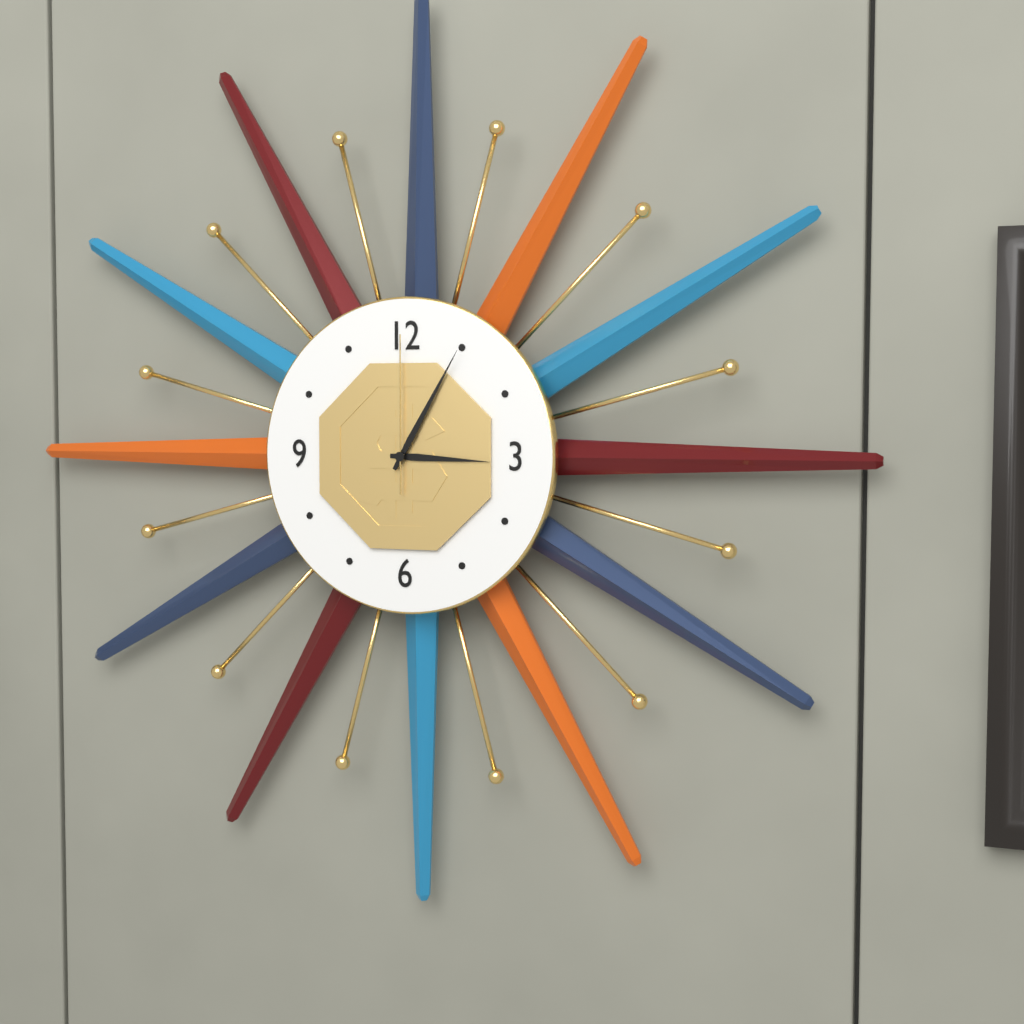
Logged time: 3 h 05 min 00 s
